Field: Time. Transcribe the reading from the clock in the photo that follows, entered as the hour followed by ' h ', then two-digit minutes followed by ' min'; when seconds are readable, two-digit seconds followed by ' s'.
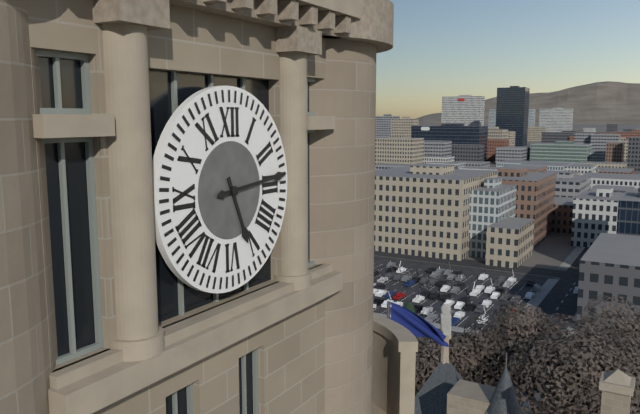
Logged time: 5 h 14 min
